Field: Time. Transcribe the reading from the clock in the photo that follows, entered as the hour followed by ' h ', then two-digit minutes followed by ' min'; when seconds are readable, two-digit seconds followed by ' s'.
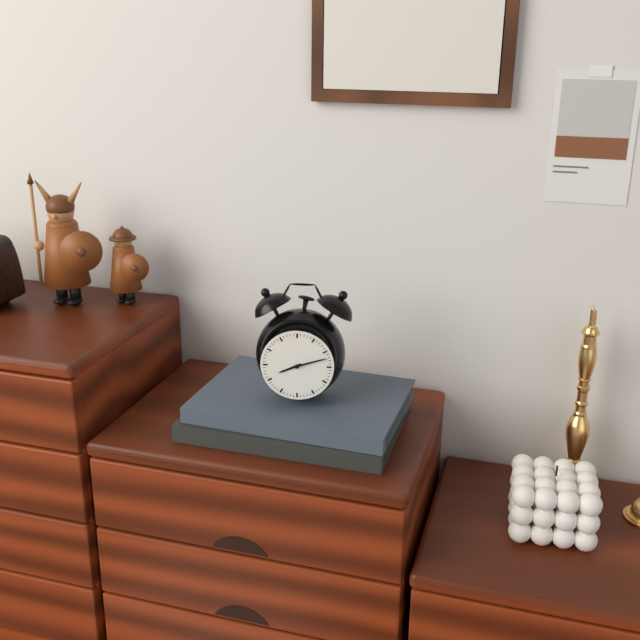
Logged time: 8 h 12 min
